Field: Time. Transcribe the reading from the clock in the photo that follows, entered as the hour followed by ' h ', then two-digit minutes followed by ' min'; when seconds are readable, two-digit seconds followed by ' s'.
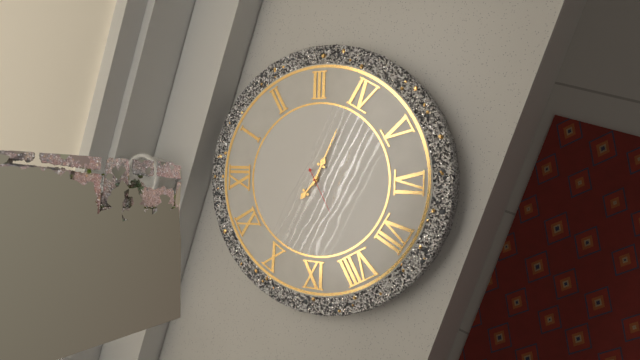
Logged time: 10 h 19 min
